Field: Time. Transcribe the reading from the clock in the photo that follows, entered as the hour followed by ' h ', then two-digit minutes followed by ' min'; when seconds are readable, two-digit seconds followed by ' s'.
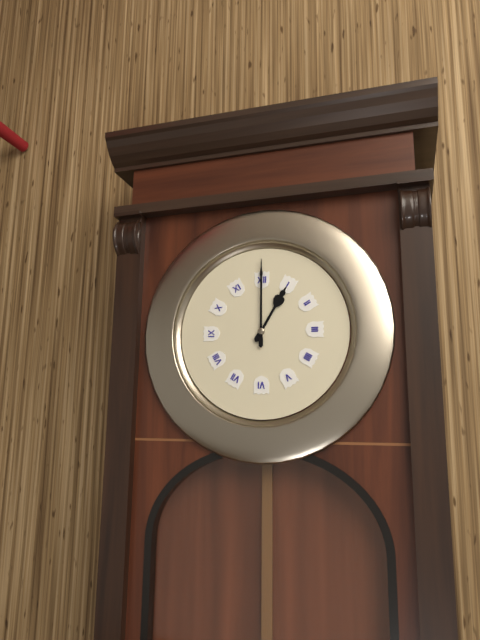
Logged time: 1 h 00 min
